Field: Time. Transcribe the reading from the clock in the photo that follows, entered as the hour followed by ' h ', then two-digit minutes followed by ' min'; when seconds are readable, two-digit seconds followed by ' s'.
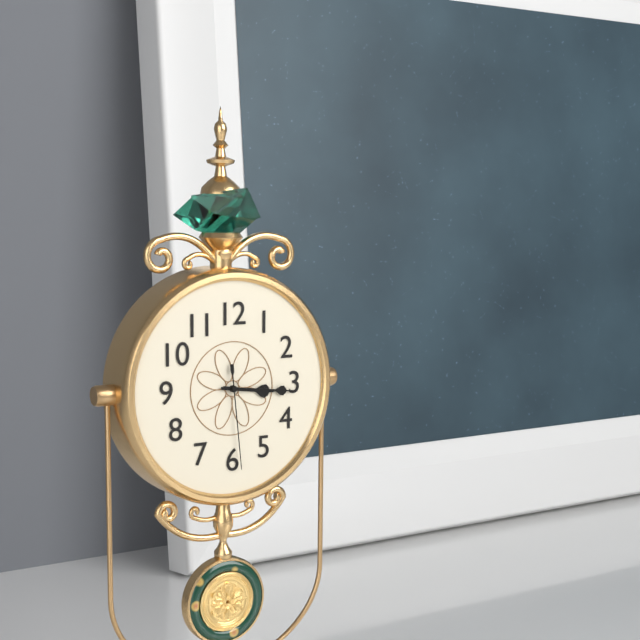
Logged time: 3 h 16 min 29 s
